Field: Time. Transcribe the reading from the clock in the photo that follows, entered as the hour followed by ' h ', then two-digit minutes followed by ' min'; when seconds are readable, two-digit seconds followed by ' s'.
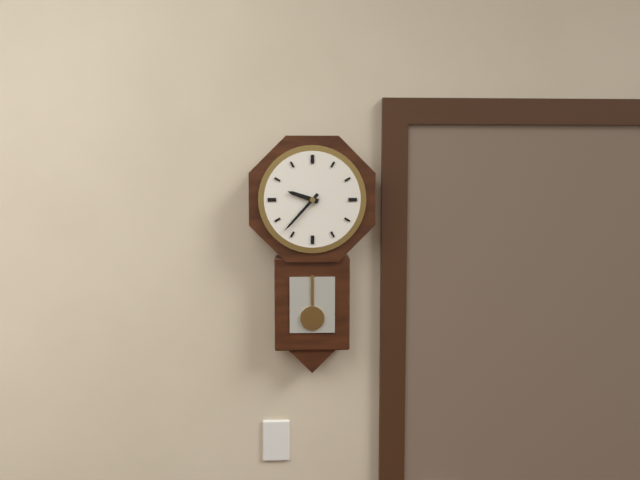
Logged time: 9 h 37 min
